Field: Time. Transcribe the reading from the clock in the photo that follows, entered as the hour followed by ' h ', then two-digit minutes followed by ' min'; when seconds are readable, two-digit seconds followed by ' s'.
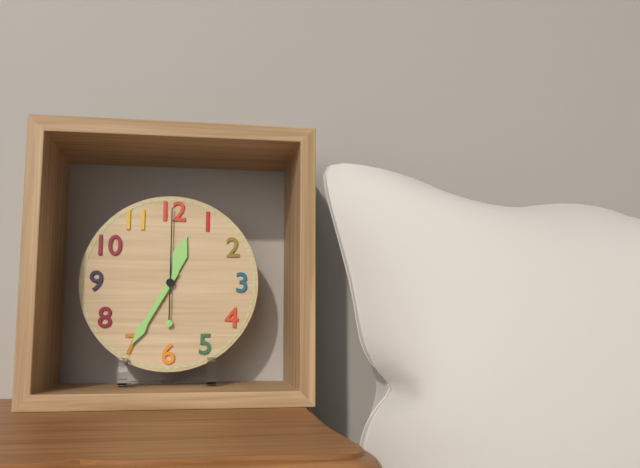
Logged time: 12 h 35 min 00 s
